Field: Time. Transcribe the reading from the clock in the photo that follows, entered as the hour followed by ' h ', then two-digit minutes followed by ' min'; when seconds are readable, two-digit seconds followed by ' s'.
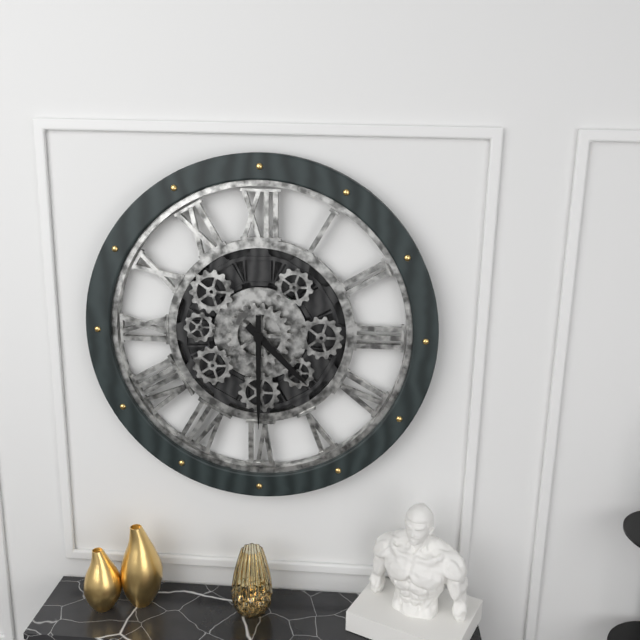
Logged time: 4 h 30 min
